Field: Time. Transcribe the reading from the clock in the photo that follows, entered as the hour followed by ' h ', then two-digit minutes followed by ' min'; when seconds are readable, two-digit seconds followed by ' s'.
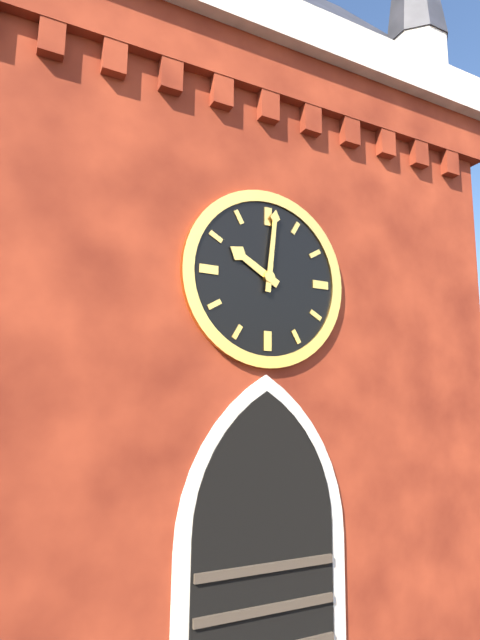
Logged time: 10 h 01 min
